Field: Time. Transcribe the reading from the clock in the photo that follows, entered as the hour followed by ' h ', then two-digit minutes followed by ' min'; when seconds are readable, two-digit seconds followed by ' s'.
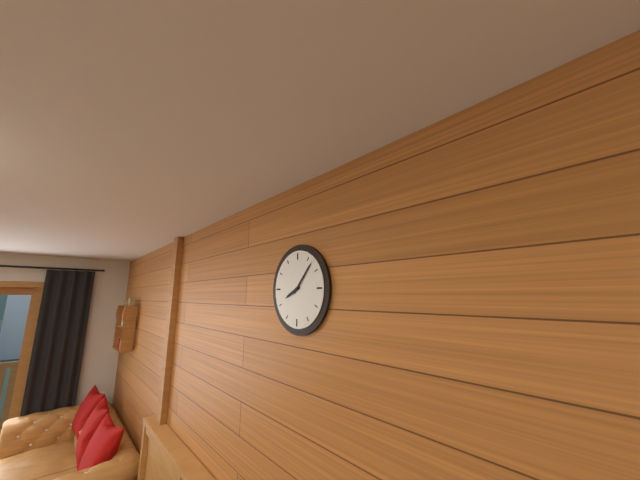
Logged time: 8 h 07 min
